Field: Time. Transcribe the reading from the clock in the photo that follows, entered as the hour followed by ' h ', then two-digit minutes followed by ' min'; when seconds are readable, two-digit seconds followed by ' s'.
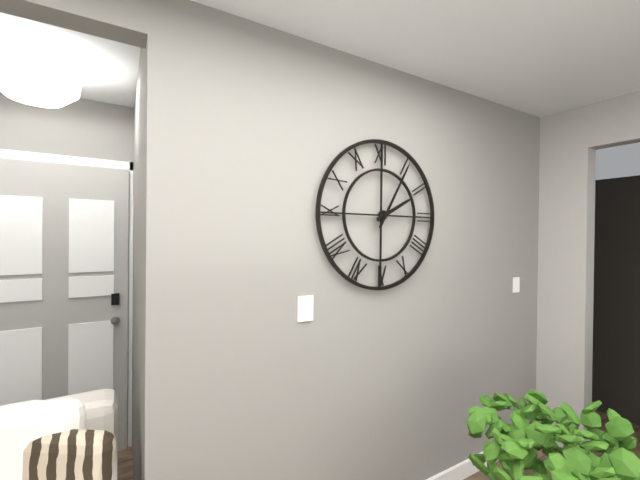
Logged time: 2 h 05 min
